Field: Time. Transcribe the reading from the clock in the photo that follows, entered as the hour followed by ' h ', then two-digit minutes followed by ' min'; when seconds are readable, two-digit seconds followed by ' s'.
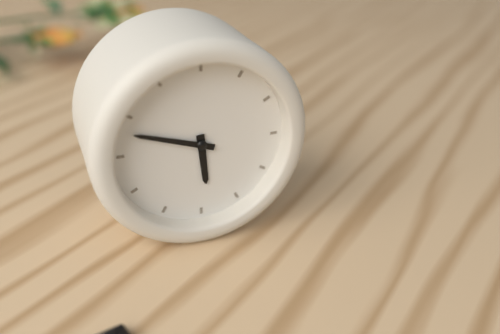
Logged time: 5 h 48 min
